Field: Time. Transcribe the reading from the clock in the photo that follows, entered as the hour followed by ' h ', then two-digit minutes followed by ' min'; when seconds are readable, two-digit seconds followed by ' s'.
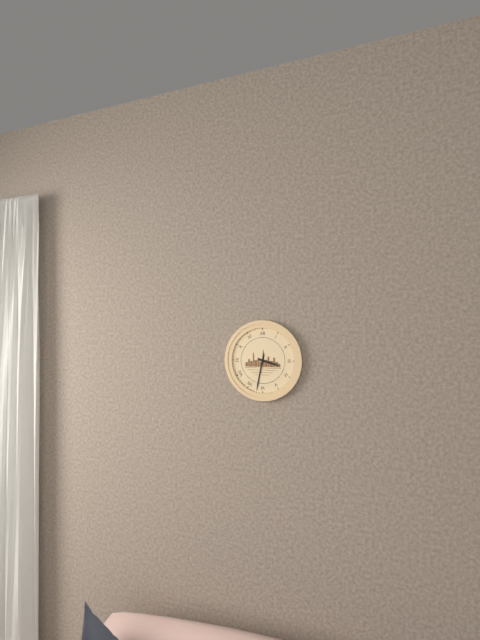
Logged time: 3 h 32 min
